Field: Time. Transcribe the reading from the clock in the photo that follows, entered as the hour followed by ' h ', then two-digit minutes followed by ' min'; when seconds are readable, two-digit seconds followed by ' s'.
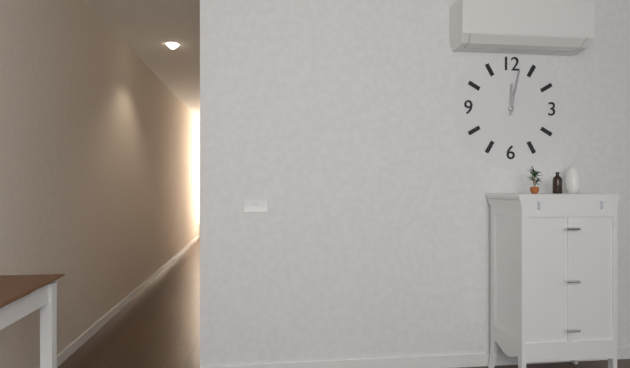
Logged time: 12 h 02 min
